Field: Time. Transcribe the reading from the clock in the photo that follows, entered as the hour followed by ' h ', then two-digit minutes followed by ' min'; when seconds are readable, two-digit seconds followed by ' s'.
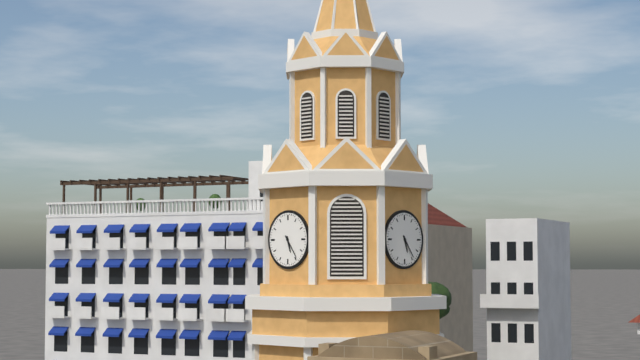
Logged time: 5 h 24 min
